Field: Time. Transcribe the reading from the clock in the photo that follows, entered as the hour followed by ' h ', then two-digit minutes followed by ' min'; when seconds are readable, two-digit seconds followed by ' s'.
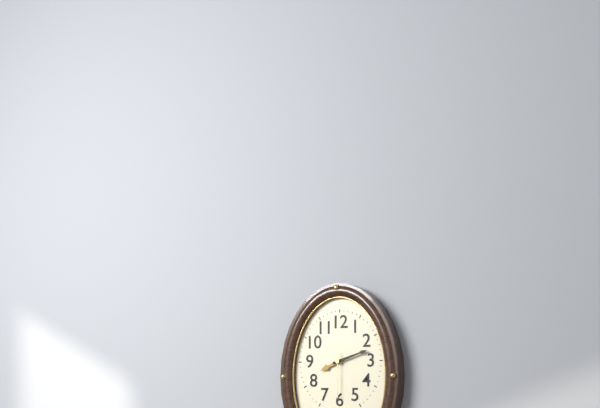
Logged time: 8 h 12 min
